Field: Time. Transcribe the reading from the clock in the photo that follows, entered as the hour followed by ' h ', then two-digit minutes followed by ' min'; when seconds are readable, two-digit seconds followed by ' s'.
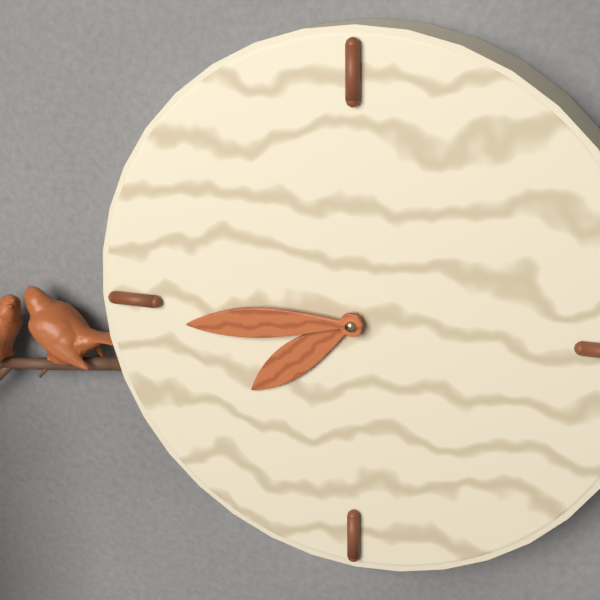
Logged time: 7 h 44 min
